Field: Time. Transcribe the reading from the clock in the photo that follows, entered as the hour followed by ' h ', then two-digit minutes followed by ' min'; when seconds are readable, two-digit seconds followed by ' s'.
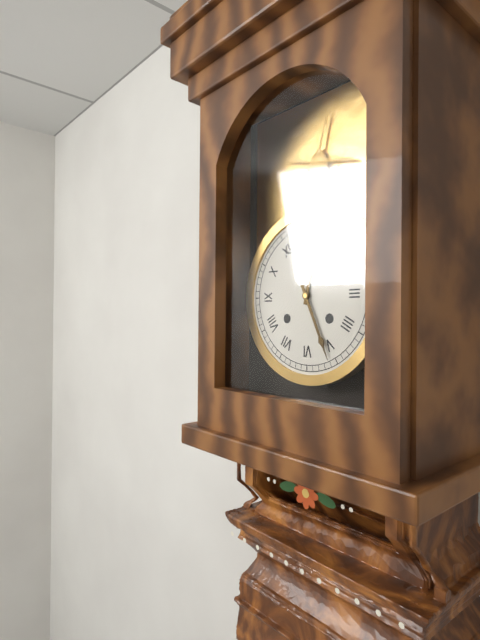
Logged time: 12 h 26 min
